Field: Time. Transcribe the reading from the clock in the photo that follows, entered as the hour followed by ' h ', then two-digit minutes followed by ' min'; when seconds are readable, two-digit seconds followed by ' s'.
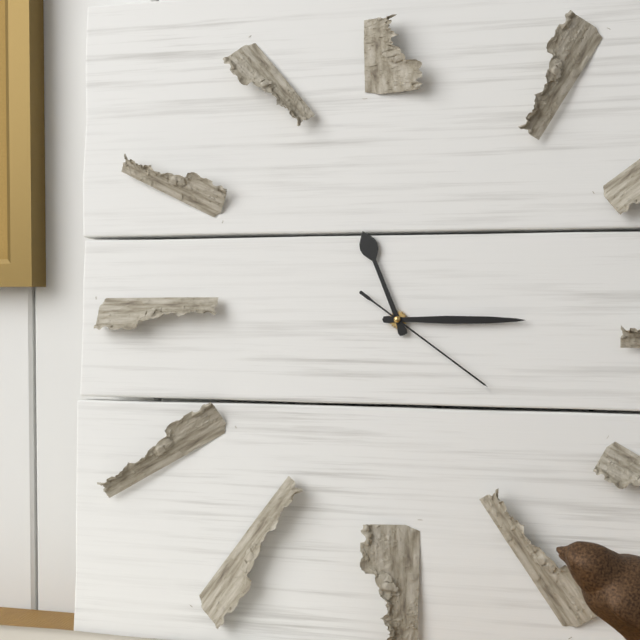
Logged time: 11 h 15 min 21 s
